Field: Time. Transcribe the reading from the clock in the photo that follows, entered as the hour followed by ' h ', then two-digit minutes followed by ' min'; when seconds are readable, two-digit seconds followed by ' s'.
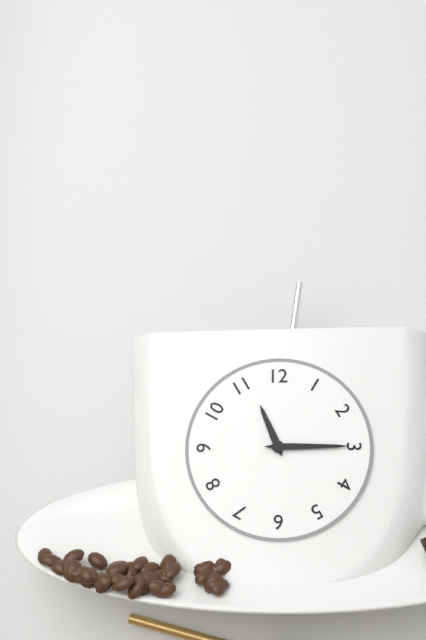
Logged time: 11 h 15 min
